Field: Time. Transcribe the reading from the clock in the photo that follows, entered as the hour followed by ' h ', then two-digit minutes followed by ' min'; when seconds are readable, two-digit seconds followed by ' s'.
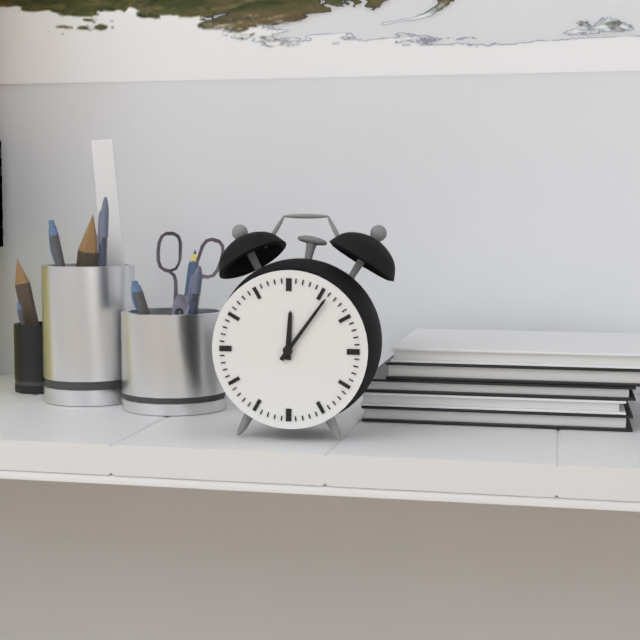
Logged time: 12 h 06 min
